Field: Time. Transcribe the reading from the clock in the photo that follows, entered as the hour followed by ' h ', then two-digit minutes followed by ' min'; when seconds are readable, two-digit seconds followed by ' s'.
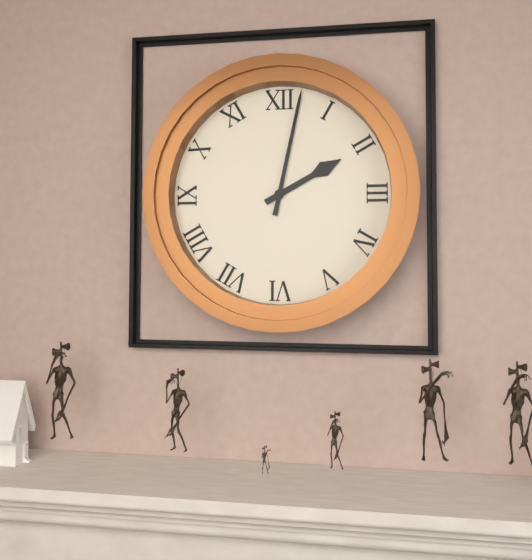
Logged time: 2 h 02 min
